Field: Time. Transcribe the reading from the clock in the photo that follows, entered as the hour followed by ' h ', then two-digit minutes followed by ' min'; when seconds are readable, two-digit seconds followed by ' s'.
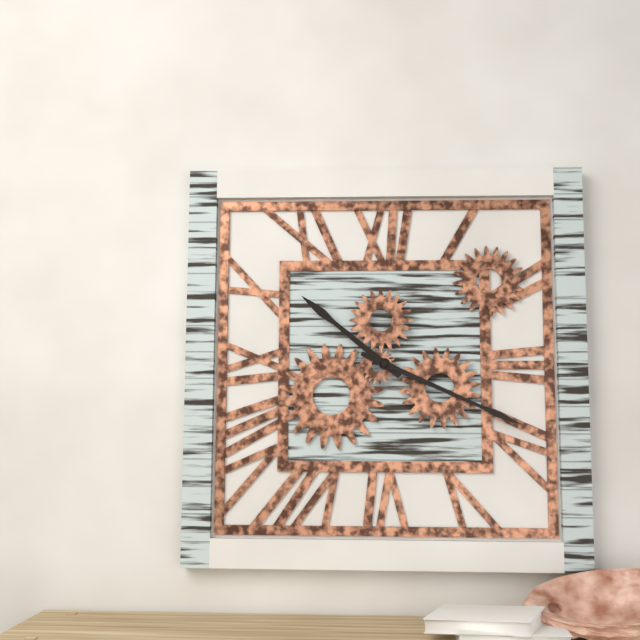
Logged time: 10 h 19 min
